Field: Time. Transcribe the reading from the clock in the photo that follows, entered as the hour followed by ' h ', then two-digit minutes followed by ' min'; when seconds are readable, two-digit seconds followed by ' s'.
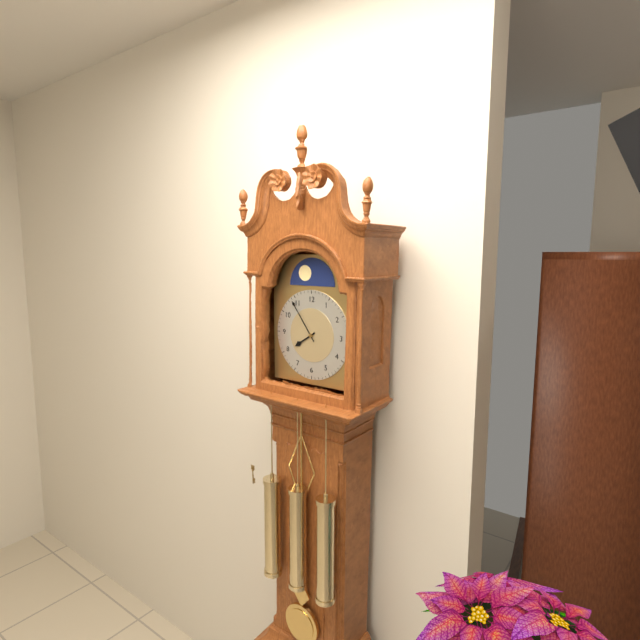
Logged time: 7 h 54 min
